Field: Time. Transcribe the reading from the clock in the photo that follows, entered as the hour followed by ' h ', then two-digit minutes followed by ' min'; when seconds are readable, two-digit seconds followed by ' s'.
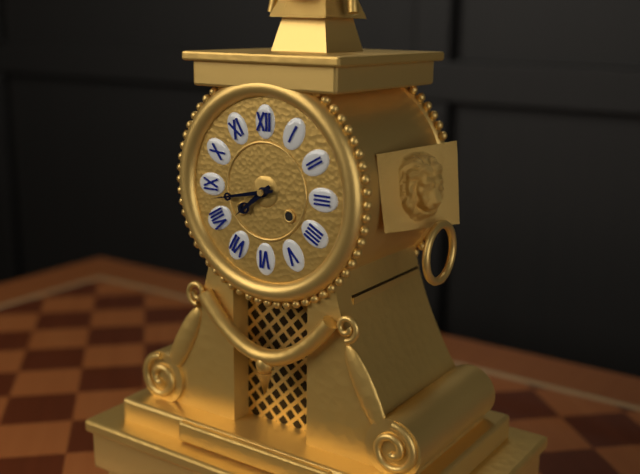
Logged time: 7 h 43 min
